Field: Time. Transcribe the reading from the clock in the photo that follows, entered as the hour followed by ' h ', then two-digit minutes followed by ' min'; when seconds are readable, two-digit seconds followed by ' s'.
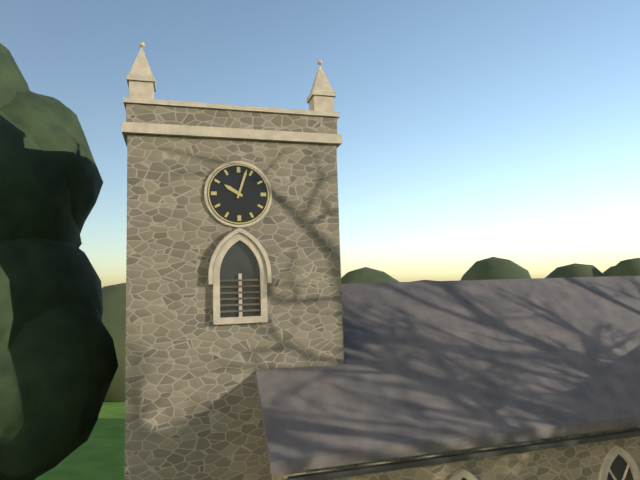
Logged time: 10 h 03 min
